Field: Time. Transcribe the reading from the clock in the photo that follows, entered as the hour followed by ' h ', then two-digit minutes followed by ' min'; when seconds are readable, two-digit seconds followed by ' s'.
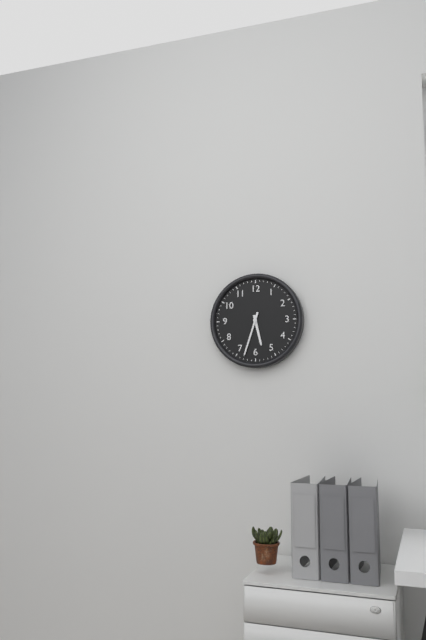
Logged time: 5 h 33 min
